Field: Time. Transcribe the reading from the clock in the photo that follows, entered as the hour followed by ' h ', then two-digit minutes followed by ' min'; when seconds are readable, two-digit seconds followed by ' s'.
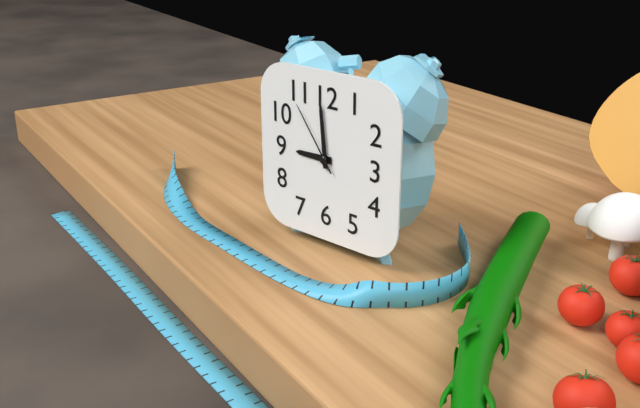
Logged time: 8 h 59 min 54 s
